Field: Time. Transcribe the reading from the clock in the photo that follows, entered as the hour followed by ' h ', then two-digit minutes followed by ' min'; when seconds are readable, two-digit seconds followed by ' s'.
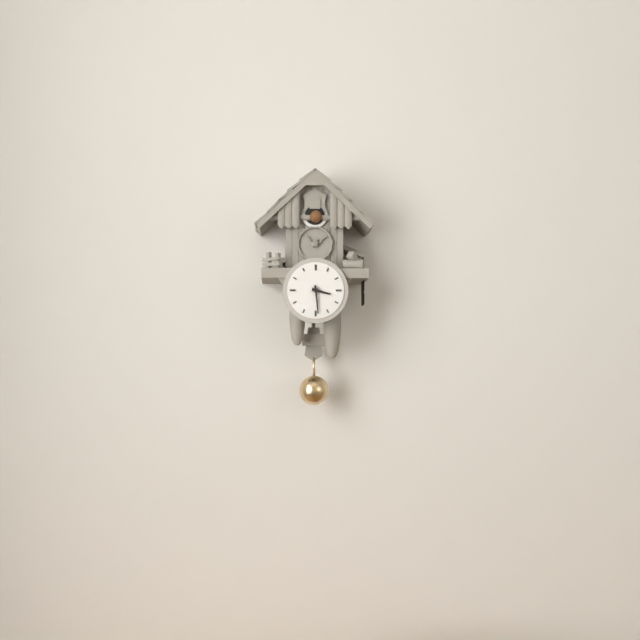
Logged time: 3 h 29 min
